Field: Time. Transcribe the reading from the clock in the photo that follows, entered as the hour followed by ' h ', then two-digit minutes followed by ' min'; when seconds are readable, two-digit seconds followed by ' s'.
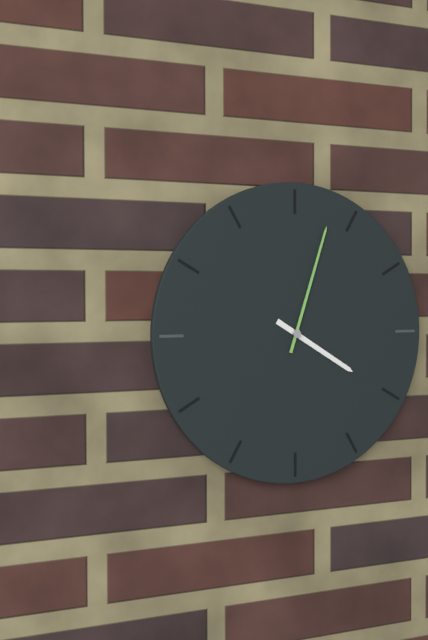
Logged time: 4 h 03 min
